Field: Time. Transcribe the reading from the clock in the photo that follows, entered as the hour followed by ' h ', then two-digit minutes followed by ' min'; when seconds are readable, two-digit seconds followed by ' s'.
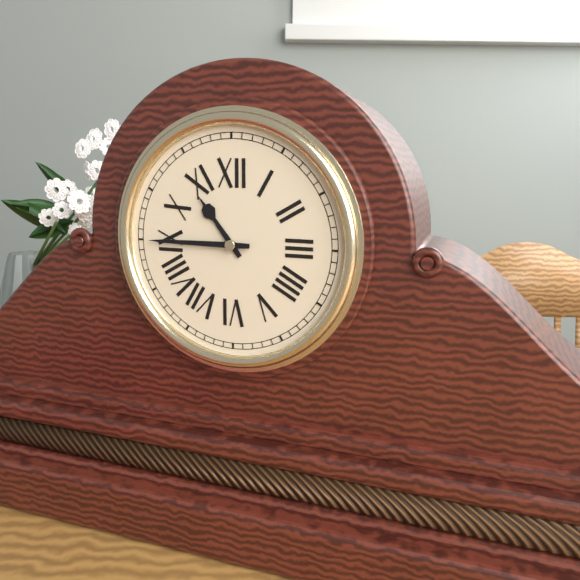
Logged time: 10 h 45 min
